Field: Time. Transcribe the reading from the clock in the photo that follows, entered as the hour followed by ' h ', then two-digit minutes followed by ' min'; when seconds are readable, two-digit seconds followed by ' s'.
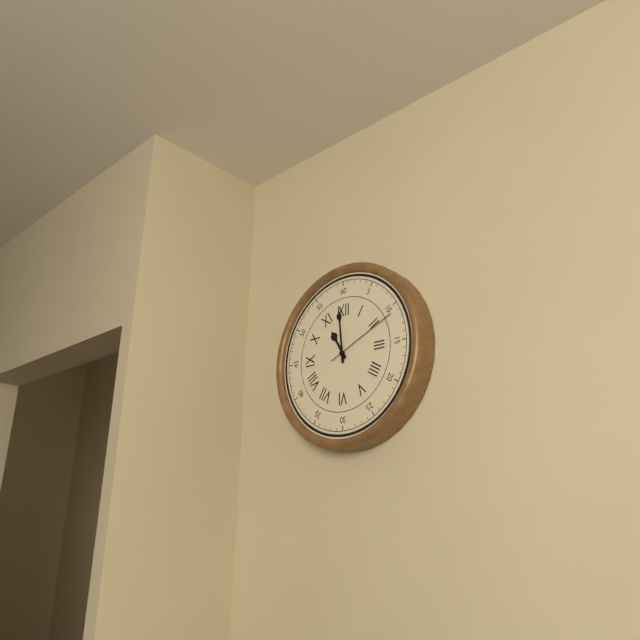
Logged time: 10 h 59 min 11 s
